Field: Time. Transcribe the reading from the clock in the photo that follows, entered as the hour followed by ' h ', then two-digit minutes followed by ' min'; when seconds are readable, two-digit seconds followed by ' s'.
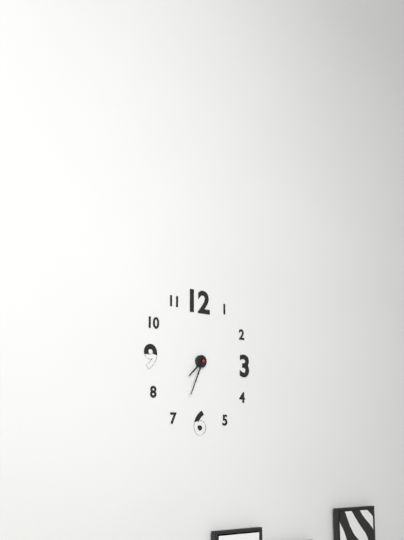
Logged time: 7 h 34 min
